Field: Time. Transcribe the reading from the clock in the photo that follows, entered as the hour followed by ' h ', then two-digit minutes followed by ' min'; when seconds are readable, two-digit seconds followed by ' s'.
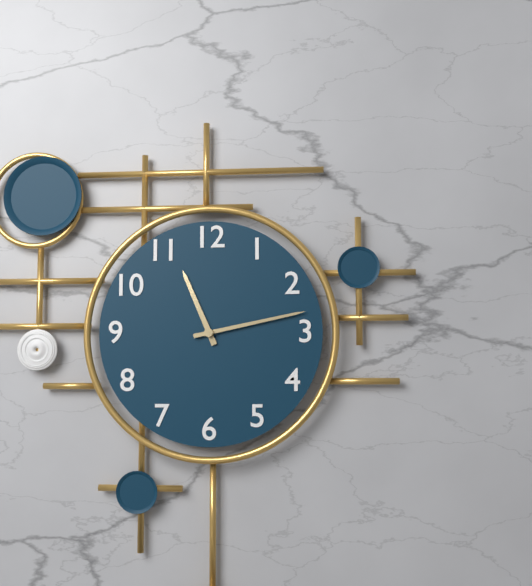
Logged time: 11 h 13 min
